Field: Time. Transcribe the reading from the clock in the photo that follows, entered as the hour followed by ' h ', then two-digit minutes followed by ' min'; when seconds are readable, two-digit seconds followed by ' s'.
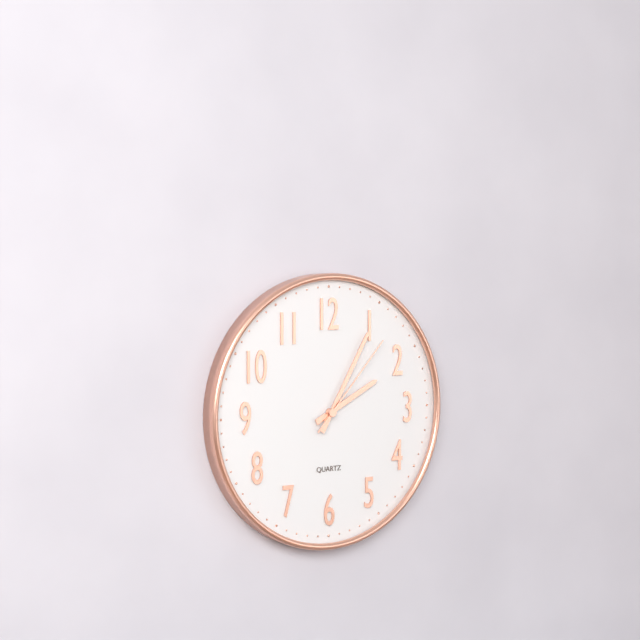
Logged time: 2 h 05 min 07 s
